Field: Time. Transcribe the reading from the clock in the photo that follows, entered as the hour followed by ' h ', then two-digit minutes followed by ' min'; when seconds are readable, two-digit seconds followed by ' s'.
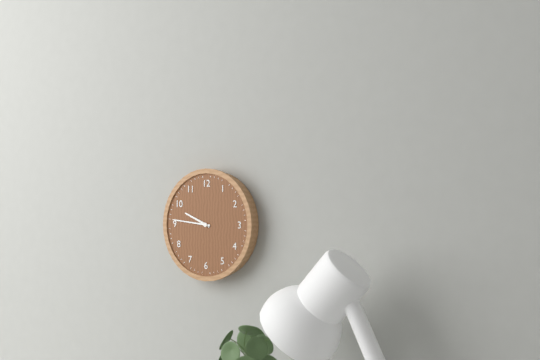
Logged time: 9 h 46 min
